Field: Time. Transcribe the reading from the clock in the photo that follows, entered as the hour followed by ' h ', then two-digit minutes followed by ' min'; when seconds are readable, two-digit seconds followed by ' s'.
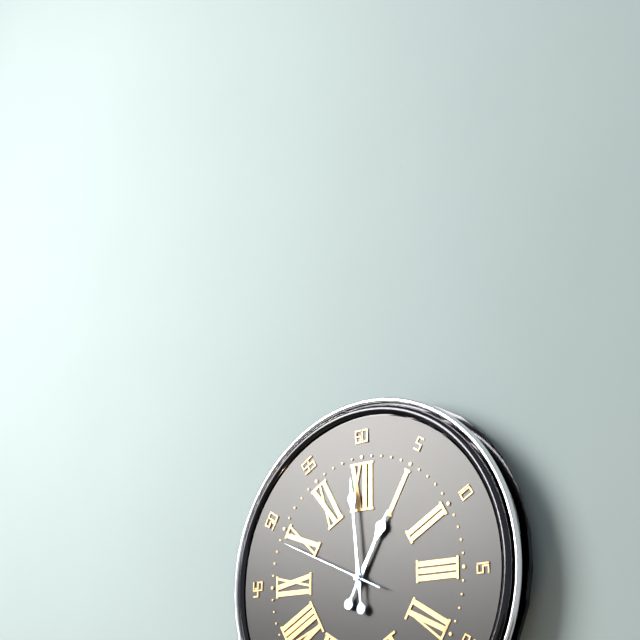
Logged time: 12 h 59 min 49 s
